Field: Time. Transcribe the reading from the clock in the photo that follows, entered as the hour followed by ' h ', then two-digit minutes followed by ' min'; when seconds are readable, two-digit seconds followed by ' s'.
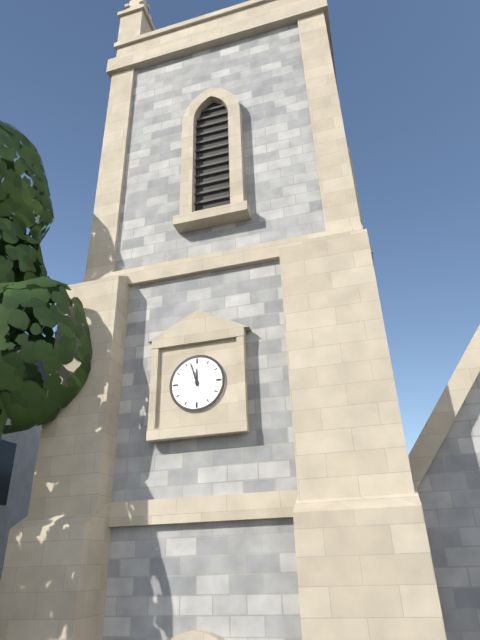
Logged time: 11 h 57 min
